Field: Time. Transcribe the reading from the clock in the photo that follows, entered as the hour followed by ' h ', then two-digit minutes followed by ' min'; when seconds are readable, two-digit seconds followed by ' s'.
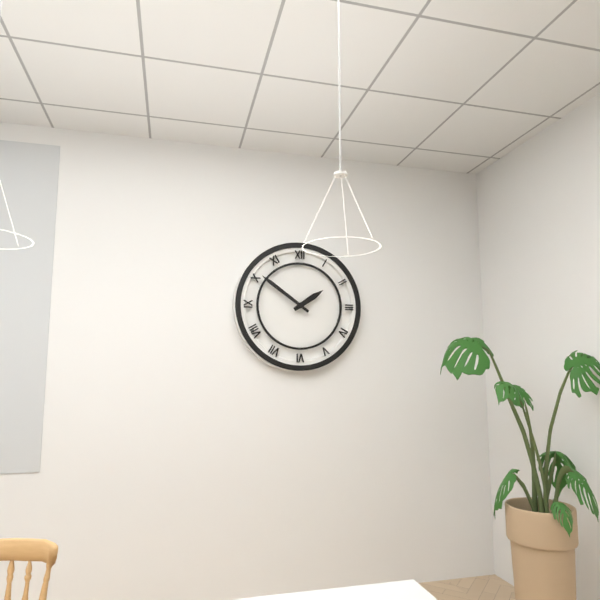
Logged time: 1 h 51 min
